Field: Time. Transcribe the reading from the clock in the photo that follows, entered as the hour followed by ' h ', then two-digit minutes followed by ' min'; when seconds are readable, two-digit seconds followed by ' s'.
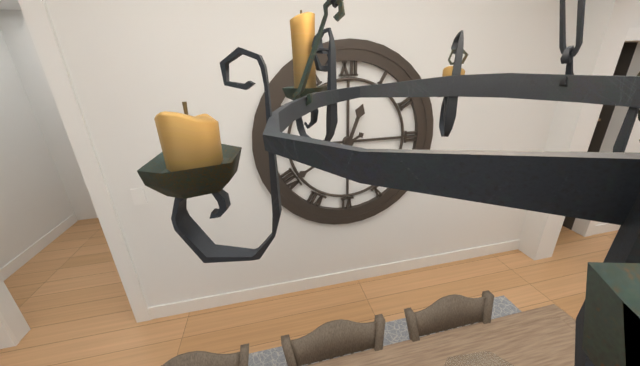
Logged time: 12 h 40 min
